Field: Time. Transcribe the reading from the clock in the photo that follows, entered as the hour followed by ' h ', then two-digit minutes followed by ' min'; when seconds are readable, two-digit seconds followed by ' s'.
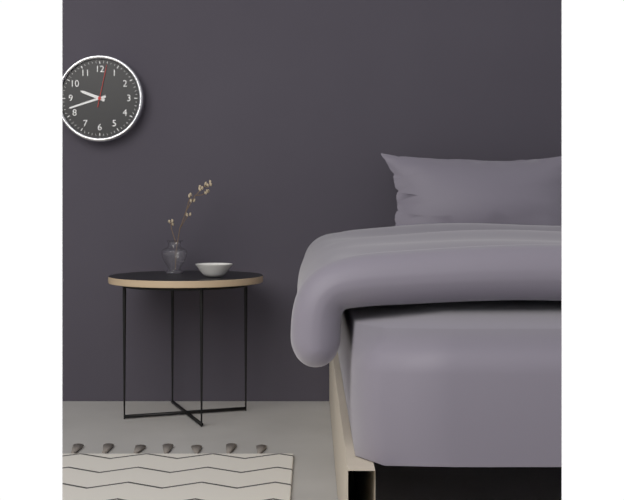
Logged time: 9 h 42 min
